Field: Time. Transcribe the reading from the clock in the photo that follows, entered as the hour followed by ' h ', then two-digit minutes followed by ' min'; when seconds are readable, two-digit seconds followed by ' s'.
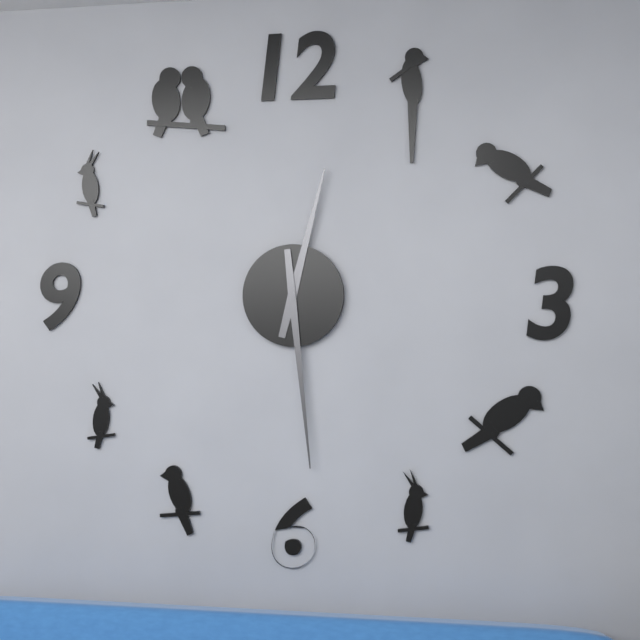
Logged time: 12 h 29 min
